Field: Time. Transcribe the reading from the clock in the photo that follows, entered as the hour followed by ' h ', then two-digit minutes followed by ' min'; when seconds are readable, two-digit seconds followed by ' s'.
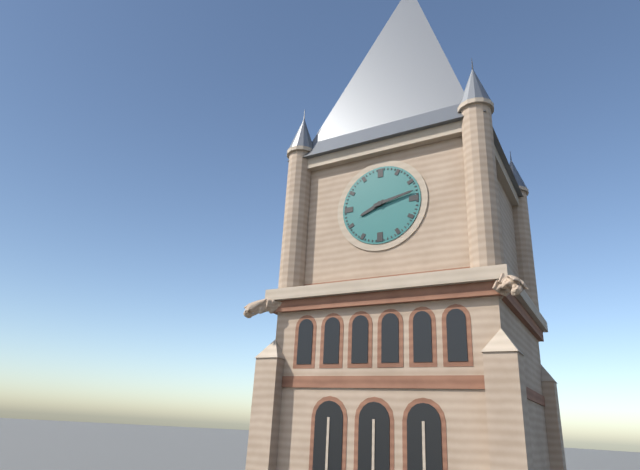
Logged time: 8 h 13 min
